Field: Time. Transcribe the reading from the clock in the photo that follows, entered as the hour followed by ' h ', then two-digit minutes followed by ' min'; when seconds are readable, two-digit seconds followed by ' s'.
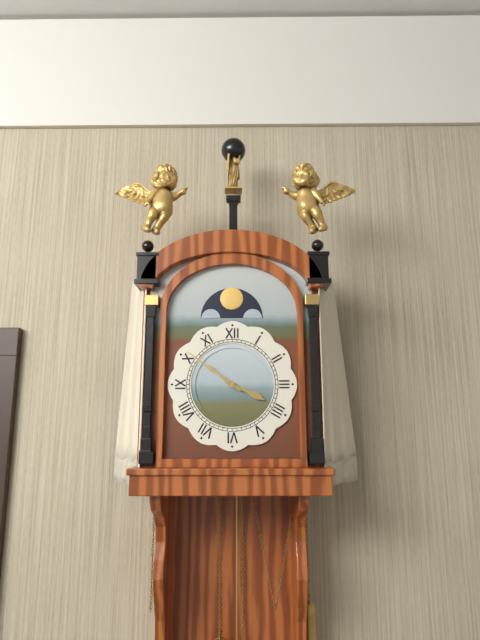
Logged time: 3 h 51 min
